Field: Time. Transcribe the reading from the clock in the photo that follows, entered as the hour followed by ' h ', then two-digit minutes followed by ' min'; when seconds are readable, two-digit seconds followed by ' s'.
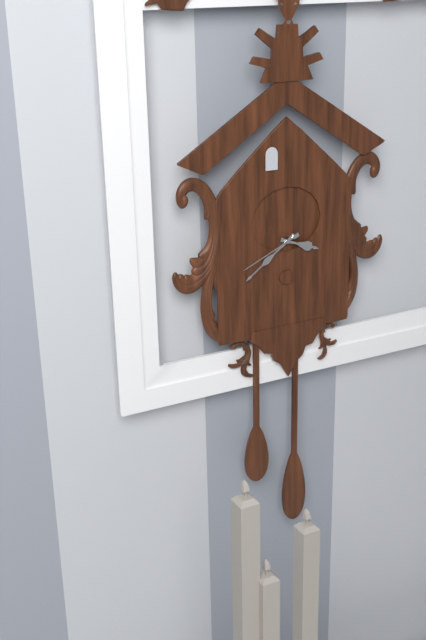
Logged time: 3 h 39 min 41 s
